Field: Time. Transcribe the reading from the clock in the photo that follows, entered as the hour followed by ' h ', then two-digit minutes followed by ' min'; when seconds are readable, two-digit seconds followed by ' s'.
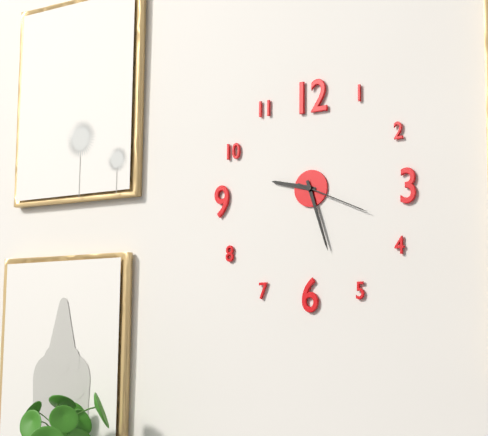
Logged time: 9 h 27 min 19 s
